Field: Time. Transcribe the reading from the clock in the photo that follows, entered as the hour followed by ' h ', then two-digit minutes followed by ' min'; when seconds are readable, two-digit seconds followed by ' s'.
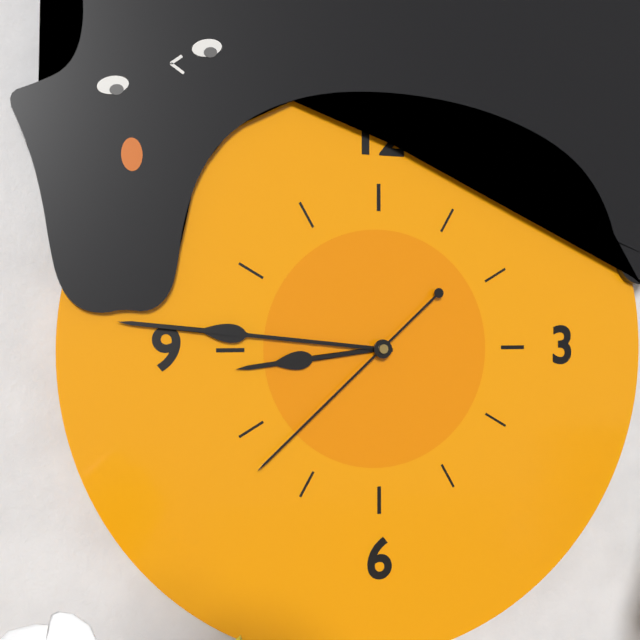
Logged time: 8 h 46 min 38 s
